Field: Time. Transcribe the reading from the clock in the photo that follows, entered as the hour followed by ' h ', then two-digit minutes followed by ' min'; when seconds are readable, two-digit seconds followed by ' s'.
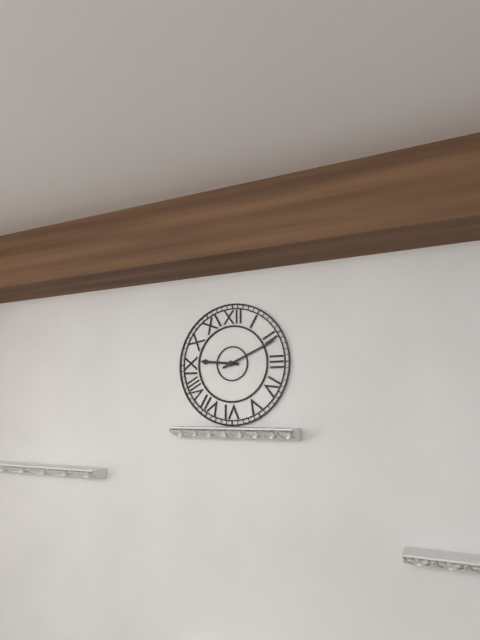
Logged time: 9 h 11 min
